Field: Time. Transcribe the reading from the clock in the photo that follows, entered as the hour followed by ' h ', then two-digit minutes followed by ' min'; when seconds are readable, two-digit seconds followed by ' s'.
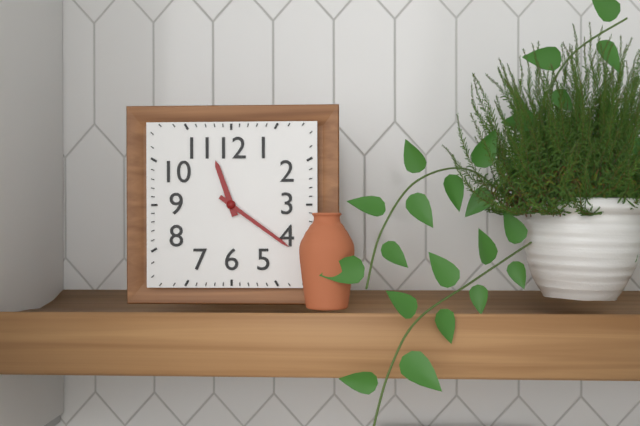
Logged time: 11 h 21 min
